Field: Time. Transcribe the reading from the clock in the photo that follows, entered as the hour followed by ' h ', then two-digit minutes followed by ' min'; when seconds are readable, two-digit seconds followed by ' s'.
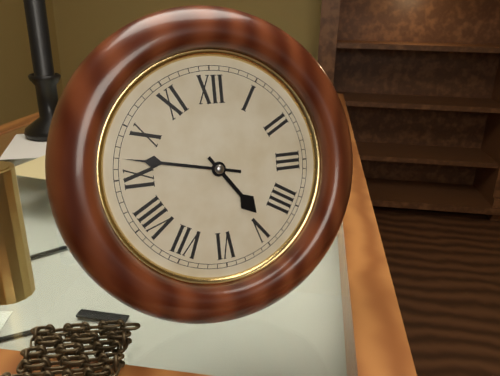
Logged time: 4 h 47 min
